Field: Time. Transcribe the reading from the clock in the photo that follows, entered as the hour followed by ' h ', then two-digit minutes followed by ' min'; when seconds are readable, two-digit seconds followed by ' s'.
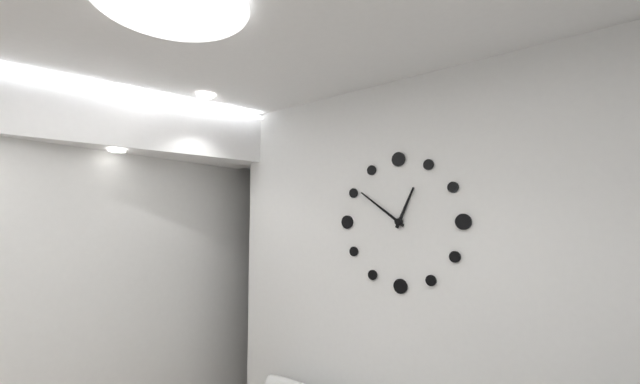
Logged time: 12 h 51 min
